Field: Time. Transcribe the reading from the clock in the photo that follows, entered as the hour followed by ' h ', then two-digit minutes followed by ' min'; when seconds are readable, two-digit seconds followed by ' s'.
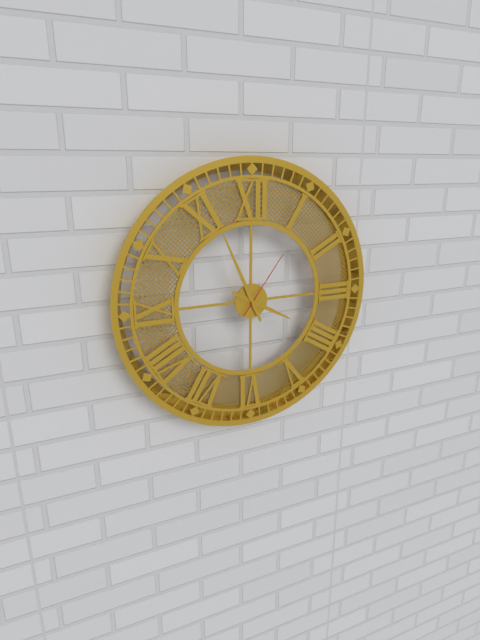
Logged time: 3 h 56 min 06 s
